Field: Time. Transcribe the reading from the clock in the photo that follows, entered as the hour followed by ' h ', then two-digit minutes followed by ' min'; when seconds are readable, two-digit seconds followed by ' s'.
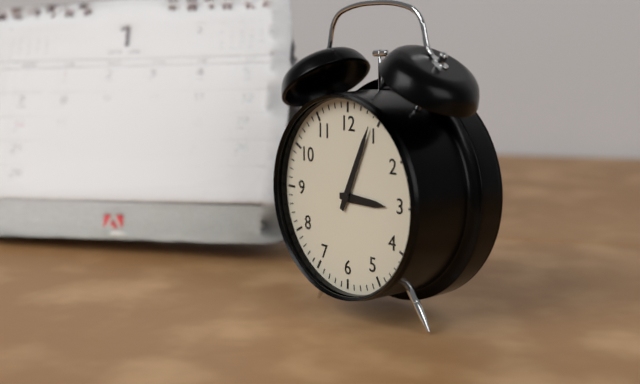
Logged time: 3 h 04 min
